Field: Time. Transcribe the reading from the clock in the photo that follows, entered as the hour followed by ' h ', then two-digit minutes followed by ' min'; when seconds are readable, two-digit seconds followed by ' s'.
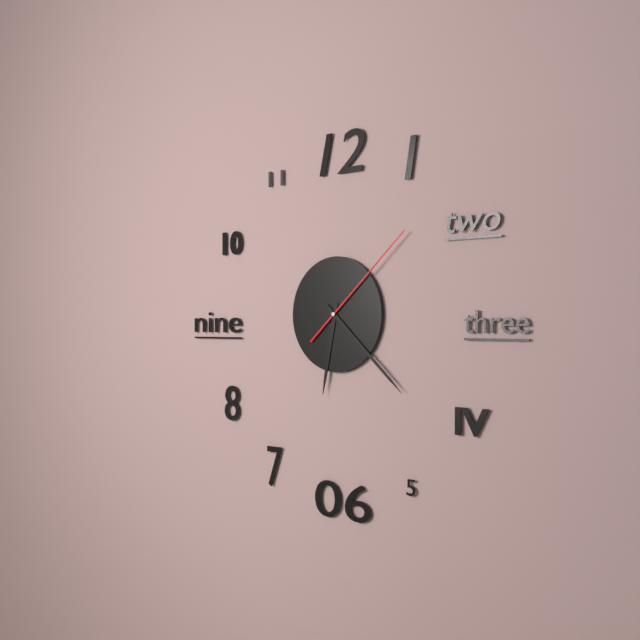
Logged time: 6 h 22 min 08 s
